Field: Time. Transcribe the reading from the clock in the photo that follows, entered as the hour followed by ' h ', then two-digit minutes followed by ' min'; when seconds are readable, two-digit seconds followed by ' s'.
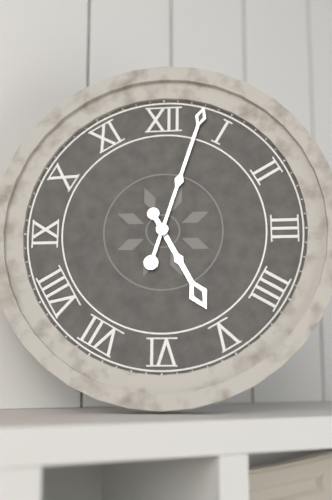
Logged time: 5 h 03 min
